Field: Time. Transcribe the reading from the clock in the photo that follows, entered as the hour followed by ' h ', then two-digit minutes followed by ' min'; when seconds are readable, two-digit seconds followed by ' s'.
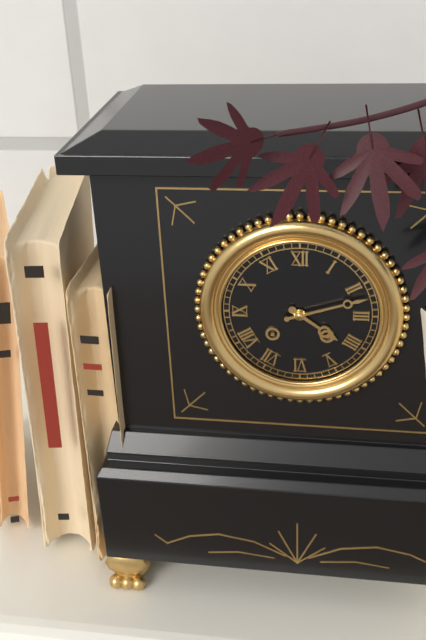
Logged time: 4 h 12 min
